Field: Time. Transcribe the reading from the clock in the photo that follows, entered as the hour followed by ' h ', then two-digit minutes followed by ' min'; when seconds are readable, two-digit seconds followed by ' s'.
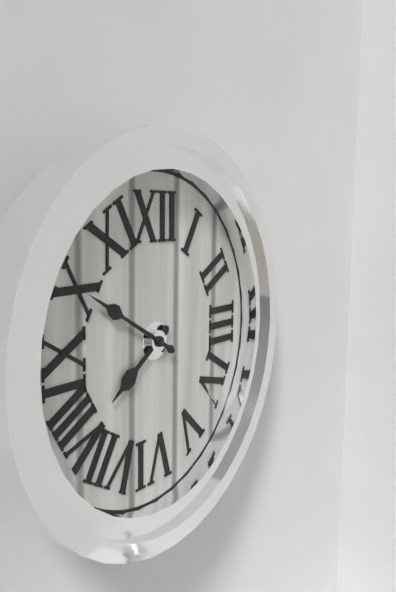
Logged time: 7 h 50 min
